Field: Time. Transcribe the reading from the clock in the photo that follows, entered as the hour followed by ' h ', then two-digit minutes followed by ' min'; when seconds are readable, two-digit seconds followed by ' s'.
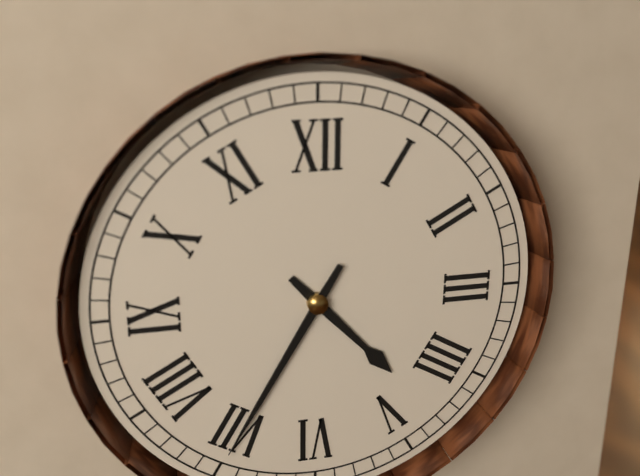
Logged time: 4 h 35 min
